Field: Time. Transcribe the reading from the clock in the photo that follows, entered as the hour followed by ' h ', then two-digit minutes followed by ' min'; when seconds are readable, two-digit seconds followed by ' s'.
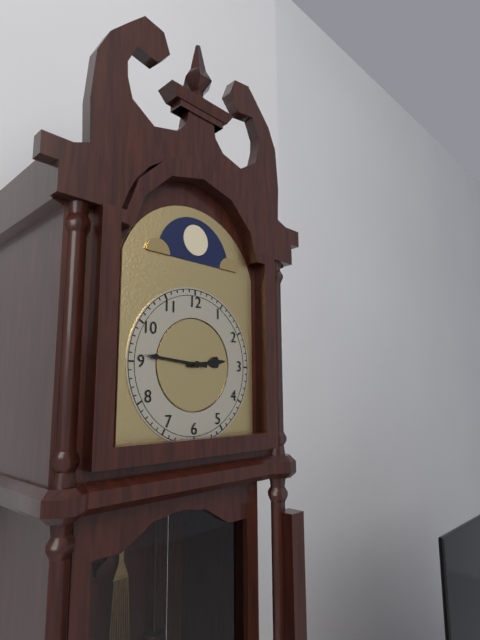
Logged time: 2 h 46 min
